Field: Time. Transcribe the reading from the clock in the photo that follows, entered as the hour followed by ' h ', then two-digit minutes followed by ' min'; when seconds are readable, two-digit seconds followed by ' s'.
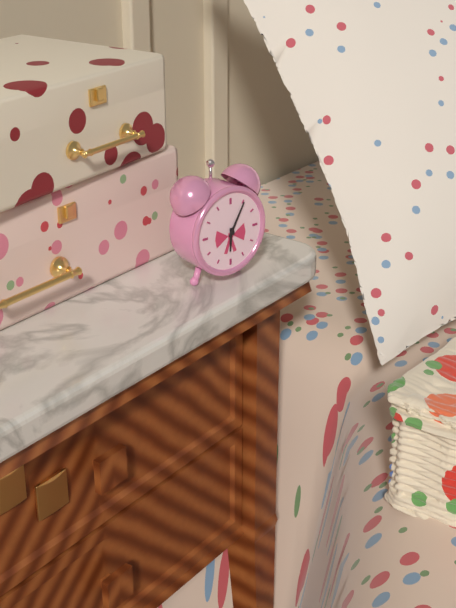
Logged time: 6 h 05 min
